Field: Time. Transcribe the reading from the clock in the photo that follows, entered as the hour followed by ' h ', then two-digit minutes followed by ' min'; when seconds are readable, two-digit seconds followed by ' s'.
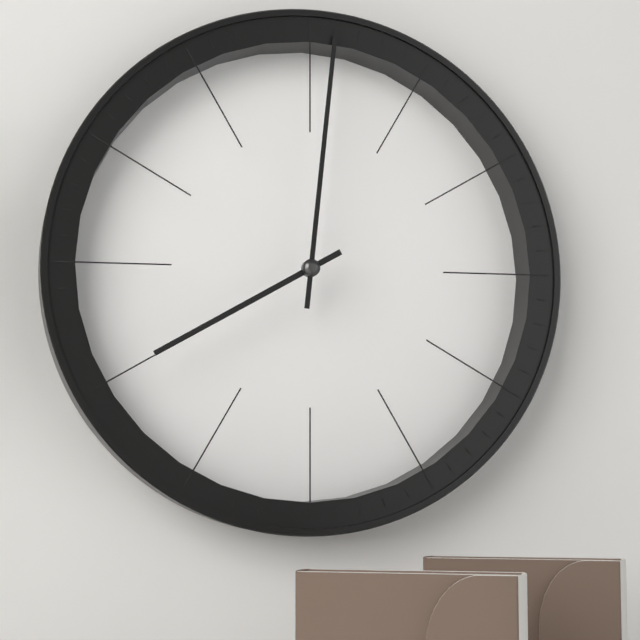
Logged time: 8 h 01 min
